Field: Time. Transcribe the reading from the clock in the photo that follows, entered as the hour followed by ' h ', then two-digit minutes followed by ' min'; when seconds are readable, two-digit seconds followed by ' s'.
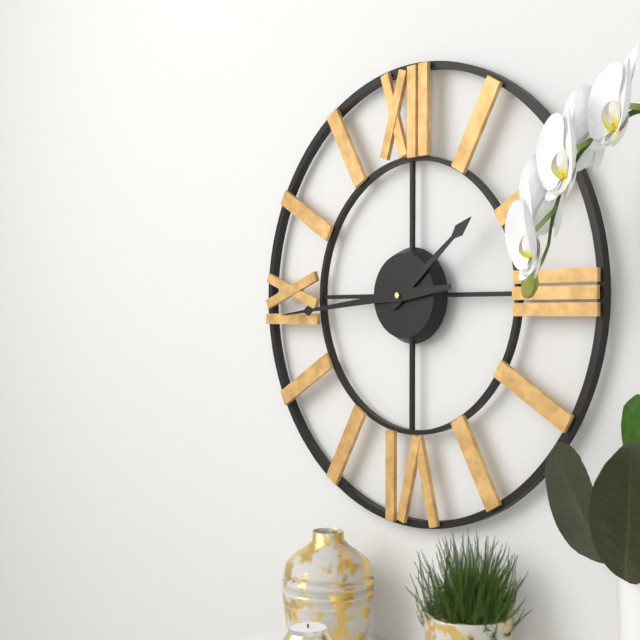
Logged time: 1 h 44 min
